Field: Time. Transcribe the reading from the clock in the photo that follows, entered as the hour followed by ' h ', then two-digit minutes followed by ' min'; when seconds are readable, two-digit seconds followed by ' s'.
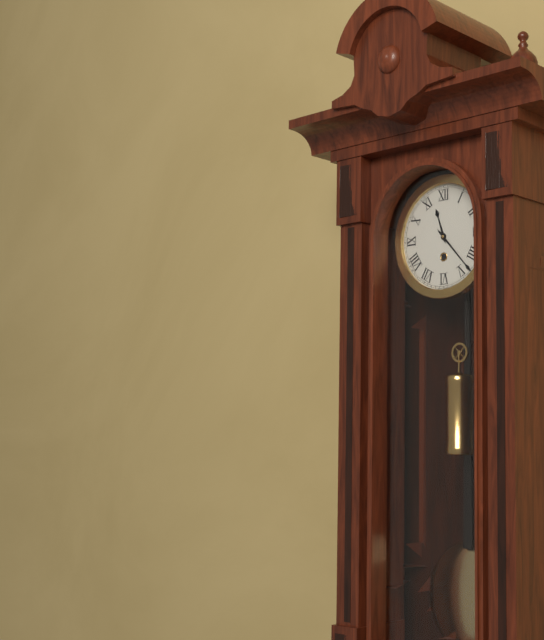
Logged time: 11 h 23 min
